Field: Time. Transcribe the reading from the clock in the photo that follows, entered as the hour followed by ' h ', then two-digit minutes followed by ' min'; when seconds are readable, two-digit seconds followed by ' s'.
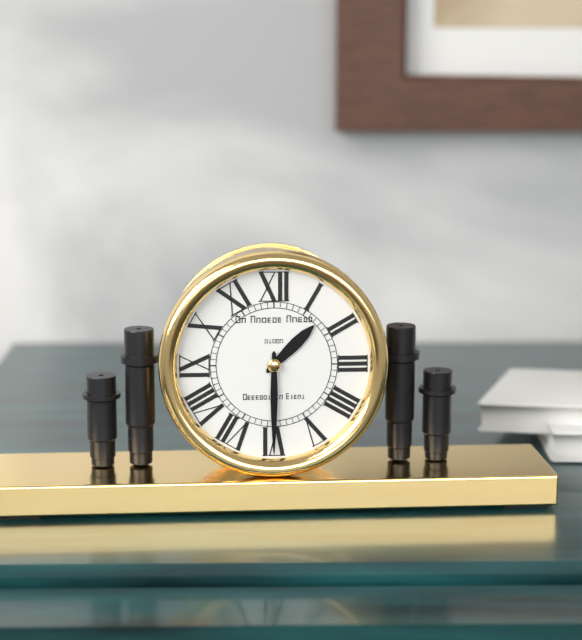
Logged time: 1 h 30 min
